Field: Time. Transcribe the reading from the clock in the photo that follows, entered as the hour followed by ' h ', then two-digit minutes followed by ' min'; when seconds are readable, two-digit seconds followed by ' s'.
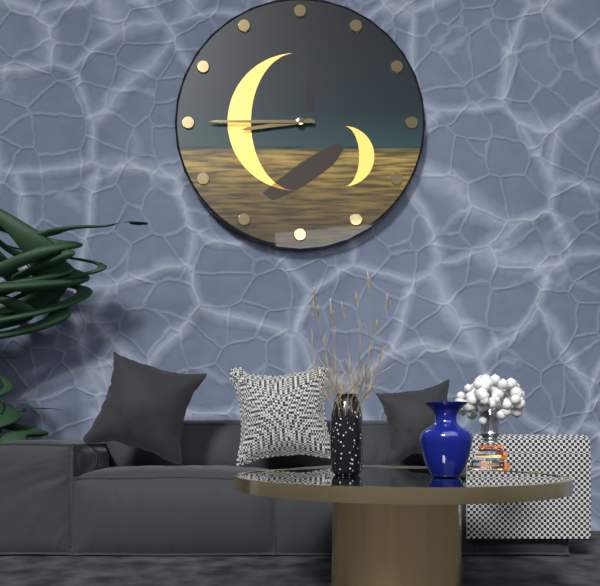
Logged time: 8 h 45 min
